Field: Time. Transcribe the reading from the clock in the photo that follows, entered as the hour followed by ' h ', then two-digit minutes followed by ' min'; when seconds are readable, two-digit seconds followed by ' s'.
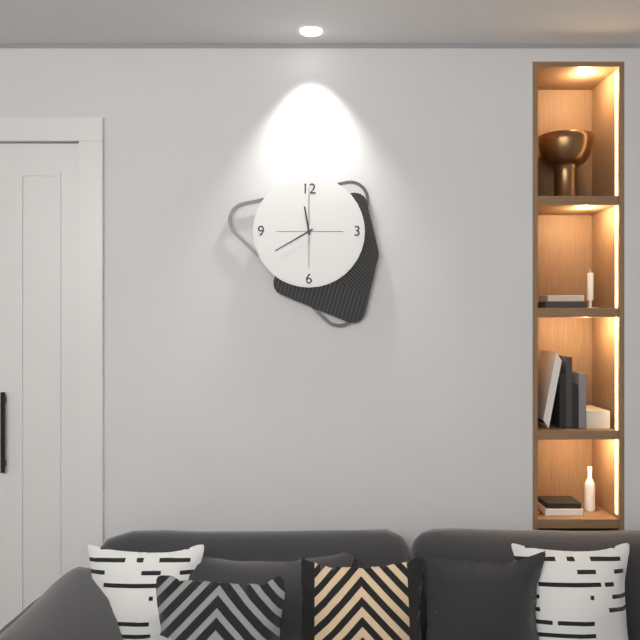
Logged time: 11 h 40 min 00 s
